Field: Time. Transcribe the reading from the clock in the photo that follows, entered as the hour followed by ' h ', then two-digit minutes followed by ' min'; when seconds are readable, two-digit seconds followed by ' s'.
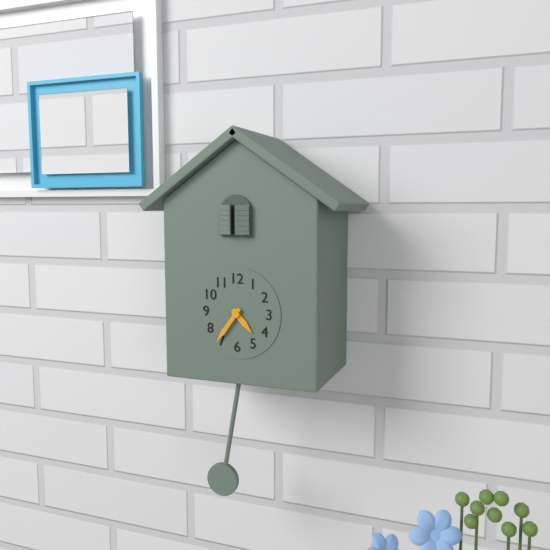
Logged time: 4 h 36 min
